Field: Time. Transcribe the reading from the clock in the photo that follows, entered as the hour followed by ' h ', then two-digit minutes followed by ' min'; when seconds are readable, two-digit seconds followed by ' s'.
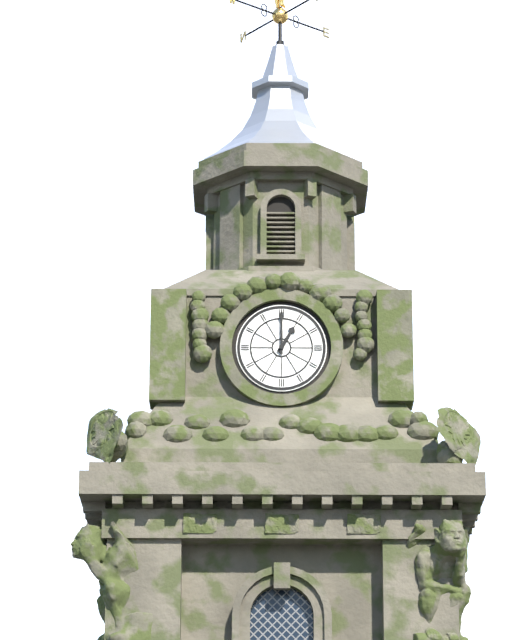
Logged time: 1 h 00 min
